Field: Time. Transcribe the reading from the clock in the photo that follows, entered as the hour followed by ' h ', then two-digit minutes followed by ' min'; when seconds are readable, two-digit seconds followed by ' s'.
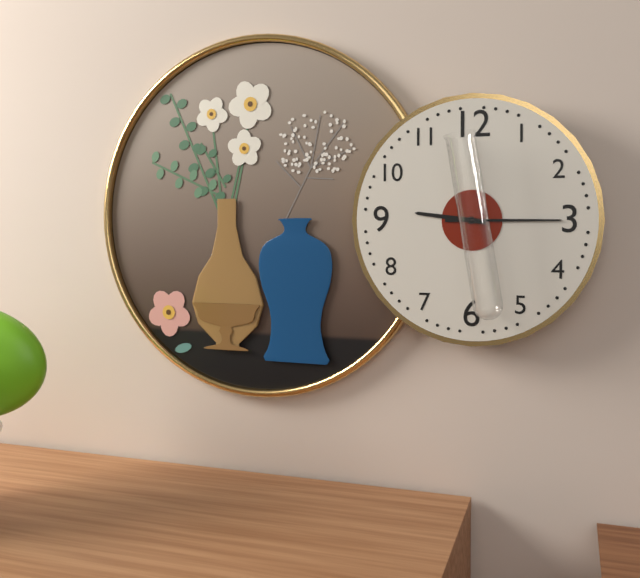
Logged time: 9 h 15 min
